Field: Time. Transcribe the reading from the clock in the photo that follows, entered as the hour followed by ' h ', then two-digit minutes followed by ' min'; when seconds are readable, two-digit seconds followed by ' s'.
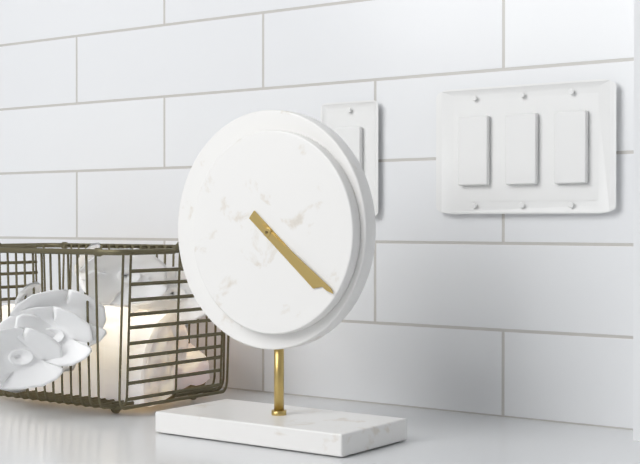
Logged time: 4 h 21 min
